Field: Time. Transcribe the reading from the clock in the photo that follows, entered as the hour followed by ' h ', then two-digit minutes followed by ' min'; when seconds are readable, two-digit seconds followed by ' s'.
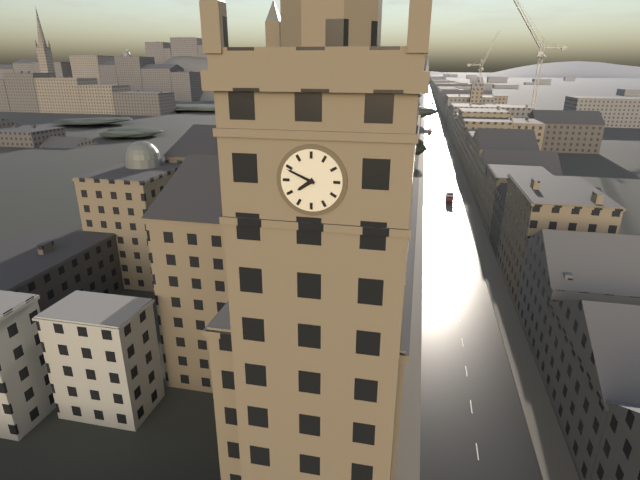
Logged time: 7 h 49 min
